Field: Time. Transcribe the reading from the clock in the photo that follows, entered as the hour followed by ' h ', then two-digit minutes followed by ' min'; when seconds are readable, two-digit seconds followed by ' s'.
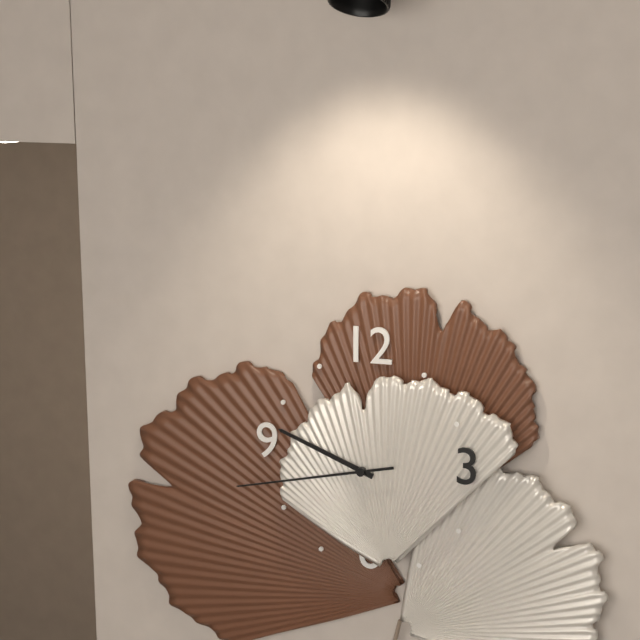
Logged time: 9 h 43 min
